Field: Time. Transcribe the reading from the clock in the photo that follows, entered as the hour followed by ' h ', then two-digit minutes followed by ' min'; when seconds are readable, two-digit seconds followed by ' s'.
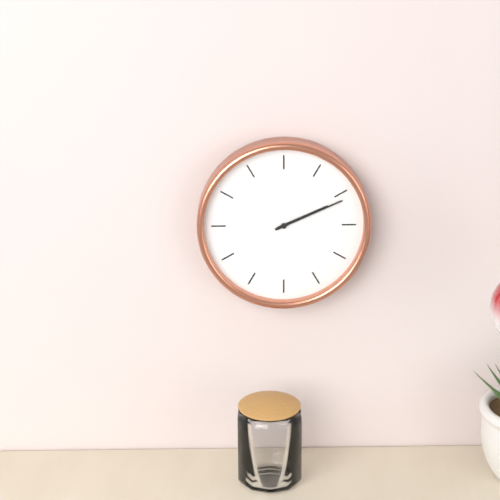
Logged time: 2 h 11 min
